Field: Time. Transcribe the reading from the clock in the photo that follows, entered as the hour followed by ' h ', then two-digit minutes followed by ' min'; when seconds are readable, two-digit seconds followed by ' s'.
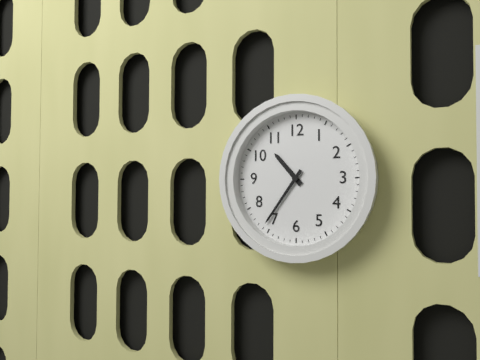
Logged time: 10 h 36 min
